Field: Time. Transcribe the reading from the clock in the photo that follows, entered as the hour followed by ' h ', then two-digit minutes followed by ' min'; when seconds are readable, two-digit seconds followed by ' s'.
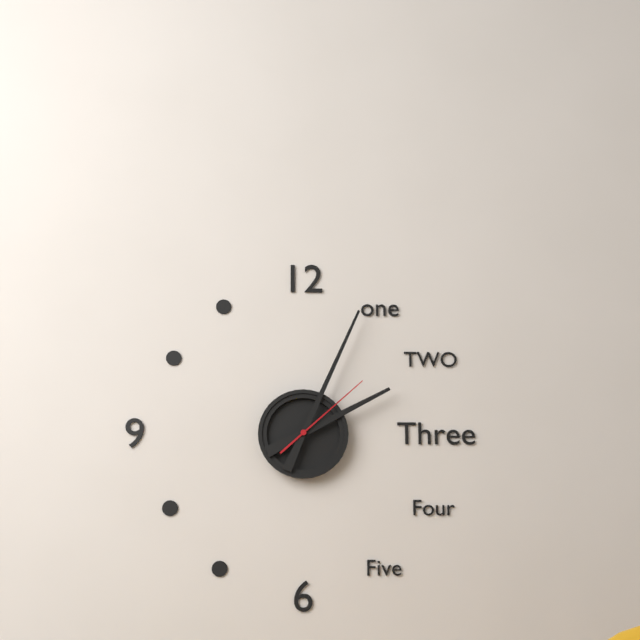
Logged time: 2 h 04 min 08 s
